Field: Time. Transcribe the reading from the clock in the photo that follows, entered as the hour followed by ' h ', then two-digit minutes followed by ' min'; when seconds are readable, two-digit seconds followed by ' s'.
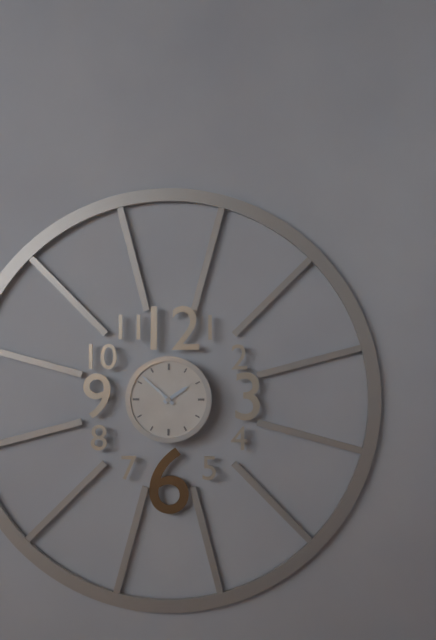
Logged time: 1 h 52 min
